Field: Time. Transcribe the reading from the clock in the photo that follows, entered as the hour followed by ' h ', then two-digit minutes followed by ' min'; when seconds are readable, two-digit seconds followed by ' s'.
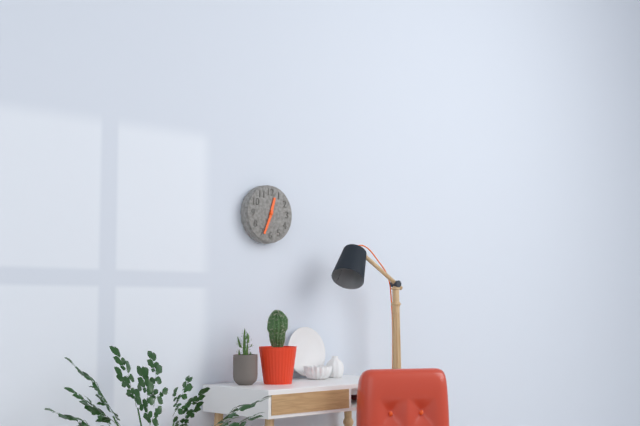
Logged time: 12 h 34 min
